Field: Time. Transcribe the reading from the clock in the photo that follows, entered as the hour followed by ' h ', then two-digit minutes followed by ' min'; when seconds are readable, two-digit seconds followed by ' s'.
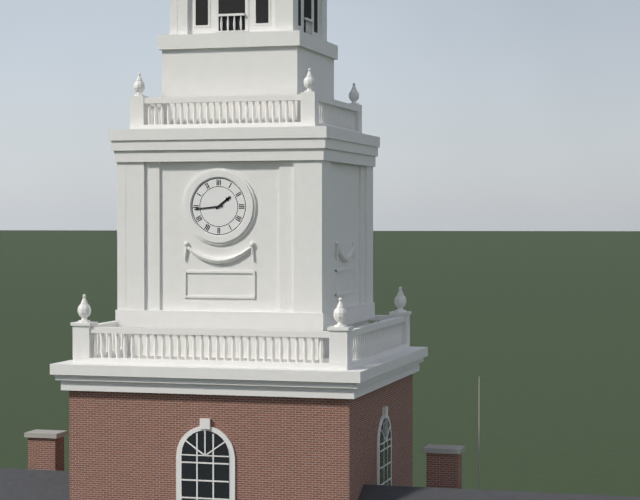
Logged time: 1 h 44 min
